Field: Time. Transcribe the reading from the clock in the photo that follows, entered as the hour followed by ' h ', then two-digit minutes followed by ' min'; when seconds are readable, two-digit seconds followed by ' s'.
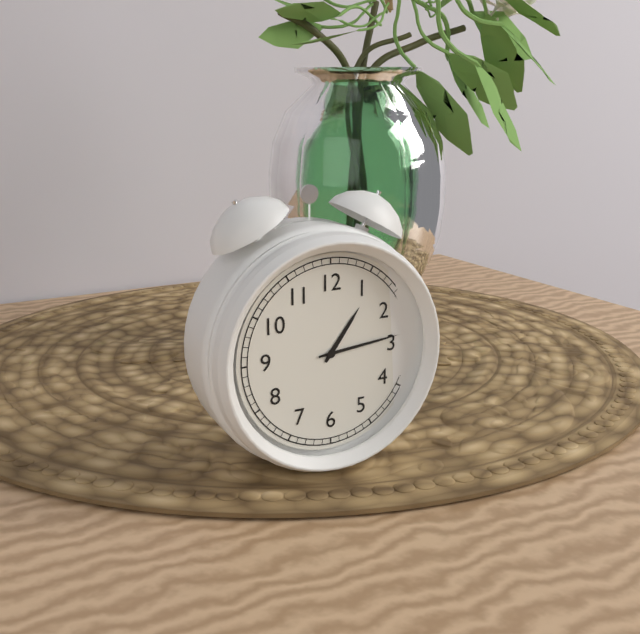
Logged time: 1 h 14 min
